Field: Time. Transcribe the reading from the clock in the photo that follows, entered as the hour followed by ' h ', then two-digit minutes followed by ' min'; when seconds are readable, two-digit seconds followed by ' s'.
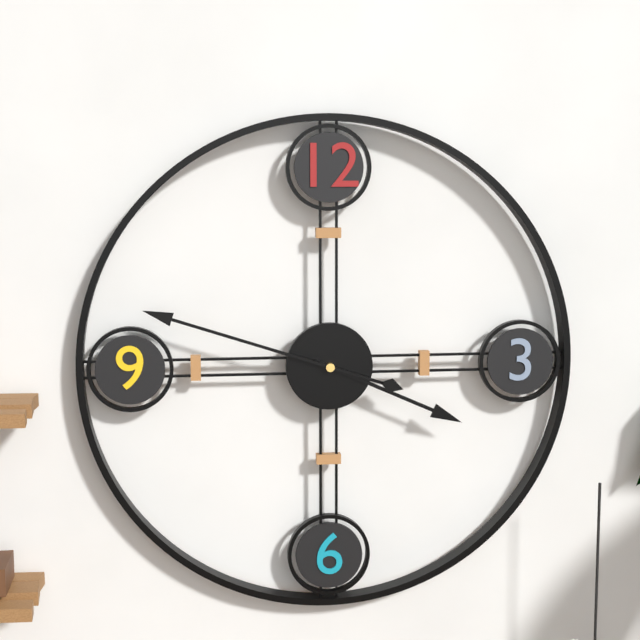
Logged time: 3 h 48 min
